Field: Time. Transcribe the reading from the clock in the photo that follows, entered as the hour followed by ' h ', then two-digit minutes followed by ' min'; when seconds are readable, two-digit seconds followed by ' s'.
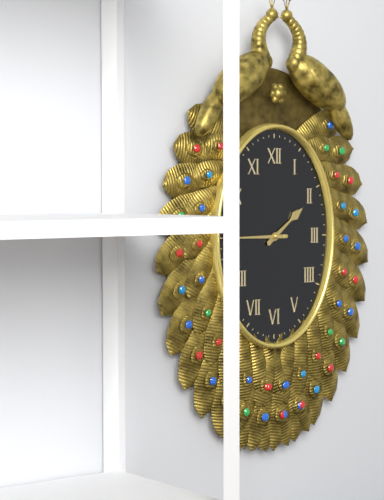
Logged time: 1 h 45 min
